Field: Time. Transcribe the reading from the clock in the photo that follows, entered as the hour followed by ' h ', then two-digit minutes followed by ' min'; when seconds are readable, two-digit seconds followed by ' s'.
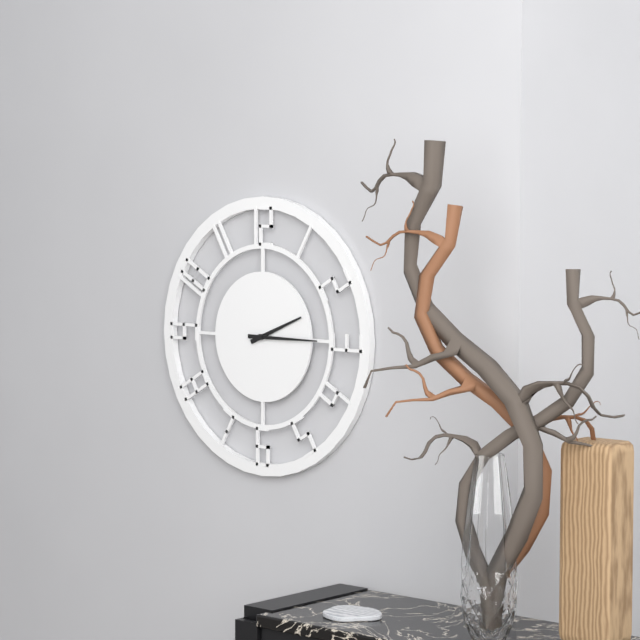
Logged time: 2 h 15 min
